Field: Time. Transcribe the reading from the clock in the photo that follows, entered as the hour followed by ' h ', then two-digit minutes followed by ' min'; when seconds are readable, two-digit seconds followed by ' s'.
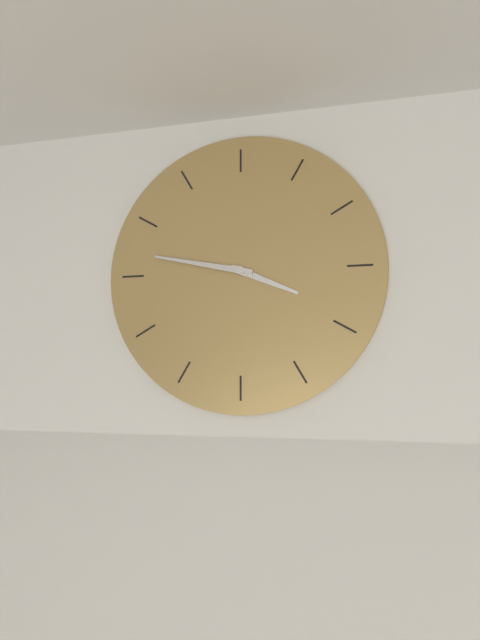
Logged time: 3 h 47 min
